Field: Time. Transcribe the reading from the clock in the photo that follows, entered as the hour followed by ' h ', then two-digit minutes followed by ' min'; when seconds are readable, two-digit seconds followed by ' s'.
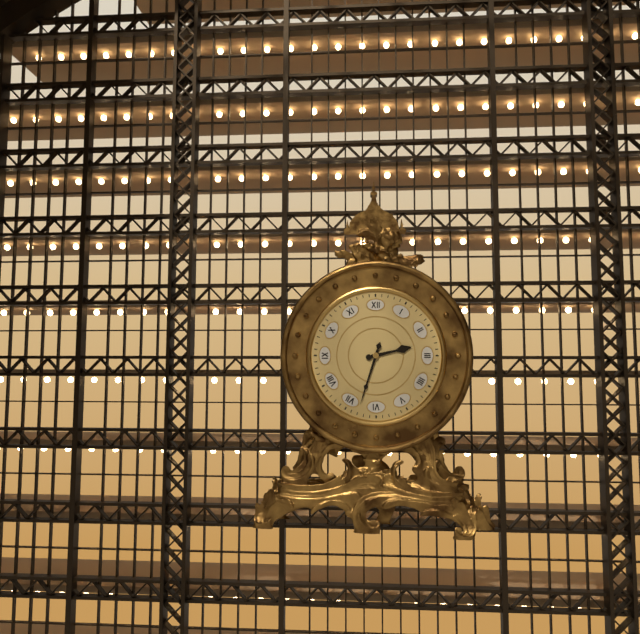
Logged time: 2 h 33 min
